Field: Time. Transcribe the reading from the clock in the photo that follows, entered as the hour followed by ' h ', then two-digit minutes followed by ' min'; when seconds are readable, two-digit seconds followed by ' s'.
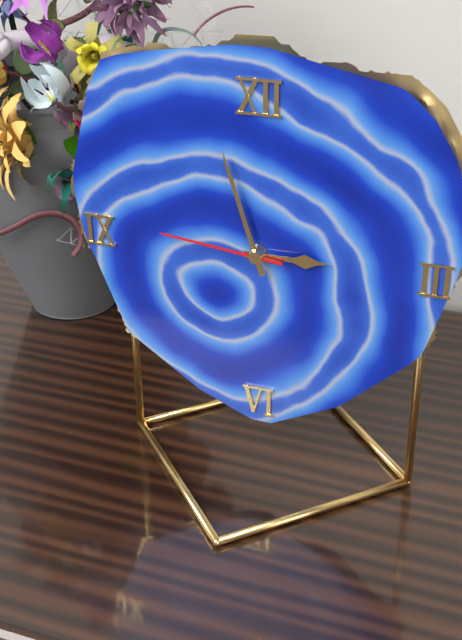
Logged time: 2 h 57 min 46 s
